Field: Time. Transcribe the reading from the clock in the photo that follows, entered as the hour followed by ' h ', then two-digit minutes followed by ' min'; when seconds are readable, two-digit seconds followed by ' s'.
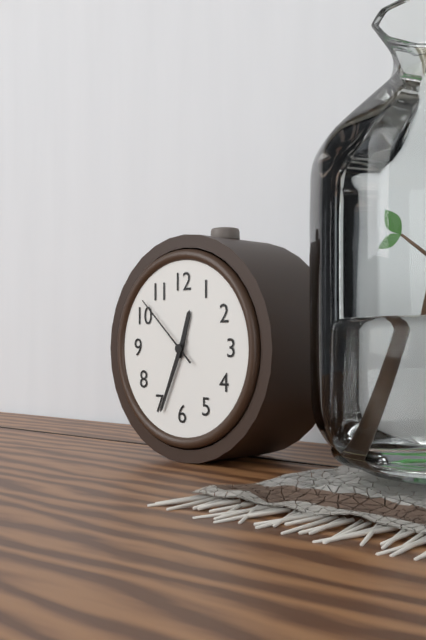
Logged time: 12 h 34 min 52 s
